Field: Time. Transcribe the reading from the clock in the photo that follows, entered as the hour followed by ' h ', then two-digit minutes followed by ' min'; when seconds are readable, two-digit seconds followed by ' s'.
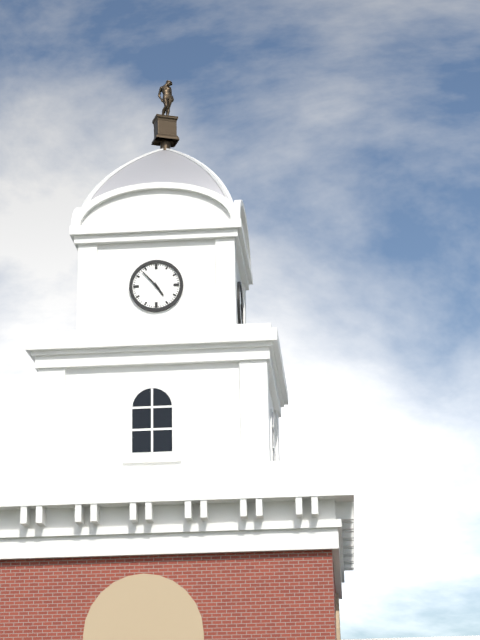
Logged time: 4 h 53 min
